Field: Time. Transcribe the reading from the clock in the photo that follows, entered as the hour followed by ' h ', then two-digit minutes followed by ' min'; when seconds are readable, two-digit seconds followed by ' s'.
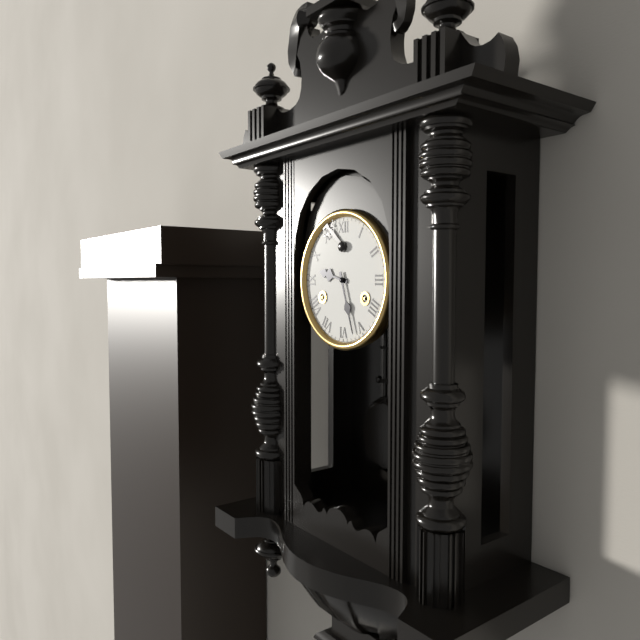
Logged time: 9 h 27 min
